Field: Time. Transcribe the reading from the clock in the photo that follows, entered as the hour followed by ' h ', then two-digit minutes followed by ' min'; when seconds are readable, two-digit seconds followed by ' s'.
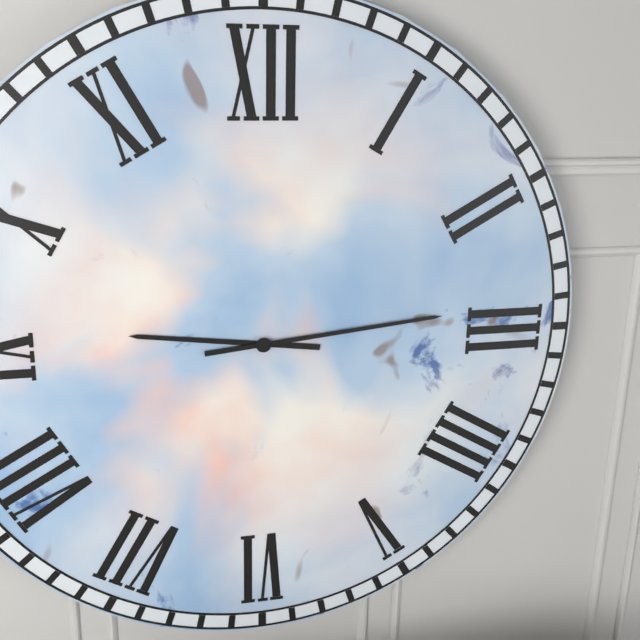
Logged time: 9 h 14 min
